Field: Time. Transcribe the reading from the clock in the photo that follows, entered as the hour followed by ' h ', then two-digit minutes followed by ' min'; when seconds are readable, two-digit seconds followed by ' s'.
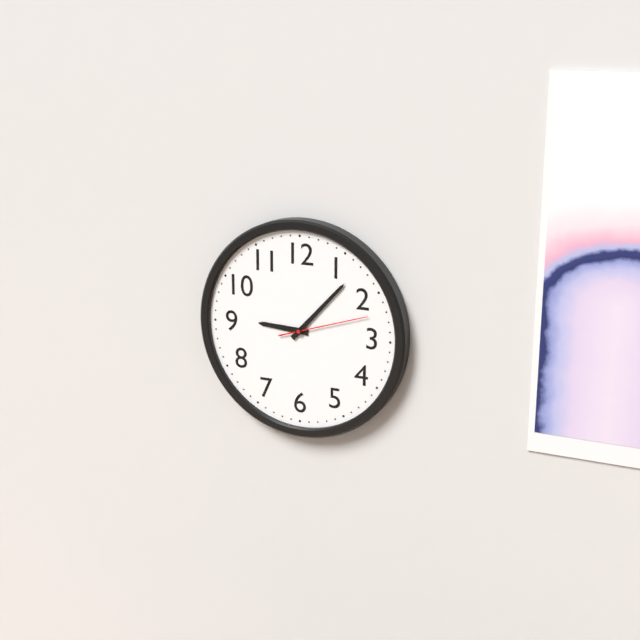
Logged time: 9 h 07 min 12 s
